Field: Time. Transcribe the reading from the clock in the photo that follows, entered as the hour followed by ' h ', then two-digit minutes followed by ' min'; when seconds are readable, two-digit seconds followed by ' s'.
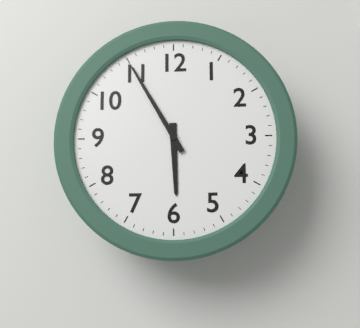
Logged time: 5 h 55 min
